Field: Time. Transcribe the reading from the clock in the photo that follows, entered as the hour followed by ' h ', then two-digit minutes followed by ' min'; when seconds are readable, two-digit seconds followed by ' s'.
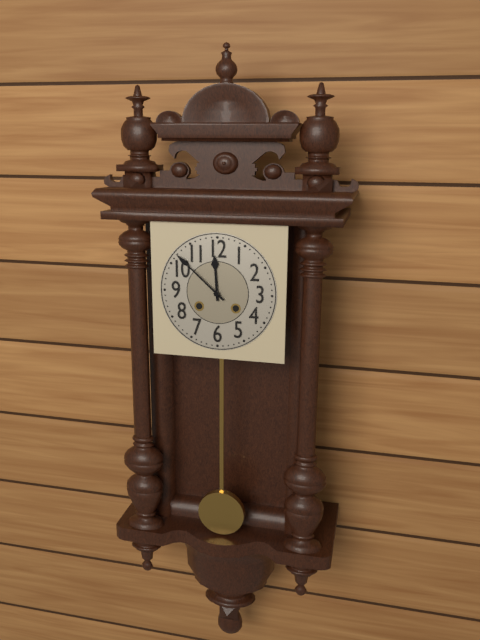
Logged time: 11 h 52 min
